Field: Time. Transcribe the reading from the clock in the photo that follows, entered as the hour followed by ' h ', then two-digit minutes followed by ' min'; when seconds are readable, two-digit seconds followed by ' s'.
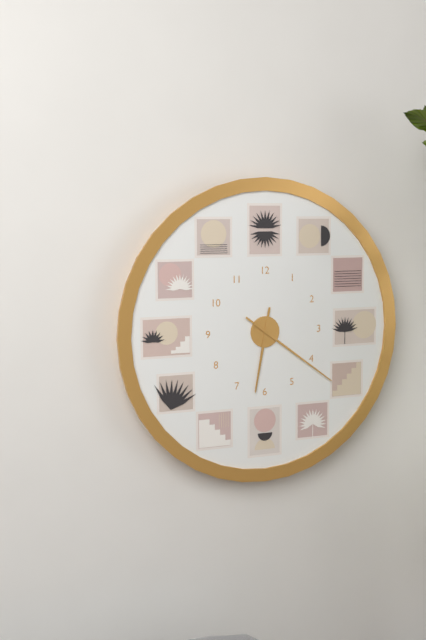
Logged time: 6 h 21 min
